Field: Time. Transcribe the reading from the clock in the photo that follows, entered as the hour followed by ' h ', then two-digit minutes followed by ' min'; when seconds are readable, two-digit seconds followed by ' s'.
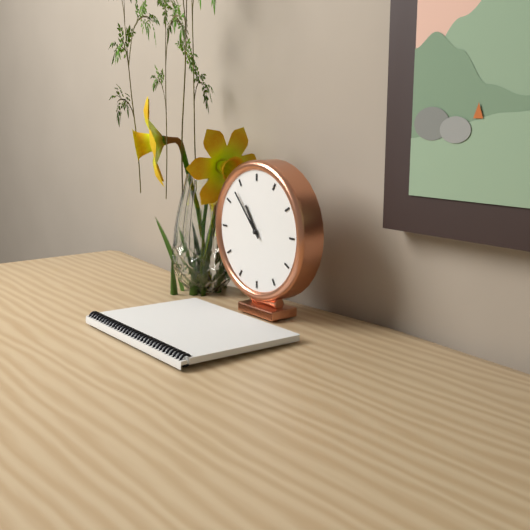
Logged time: 10 h 53 min
